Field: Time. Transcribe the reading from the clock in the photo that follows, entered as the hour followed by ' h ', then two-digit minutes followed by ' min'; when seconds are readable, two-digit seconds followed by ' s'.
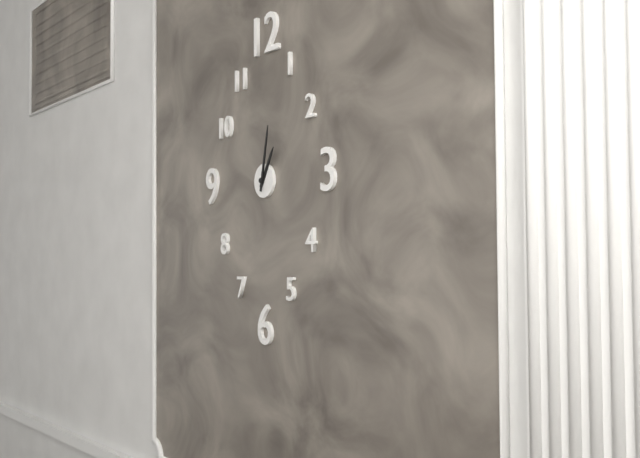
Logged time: 1 h 02 min
